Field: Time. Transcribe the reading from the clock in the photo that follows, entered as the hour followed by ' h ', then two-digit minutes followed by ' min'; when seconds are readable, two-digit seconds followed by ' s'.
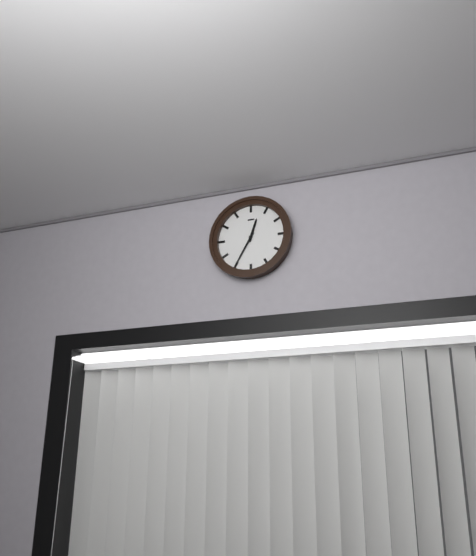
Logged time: 12 h 35 min
